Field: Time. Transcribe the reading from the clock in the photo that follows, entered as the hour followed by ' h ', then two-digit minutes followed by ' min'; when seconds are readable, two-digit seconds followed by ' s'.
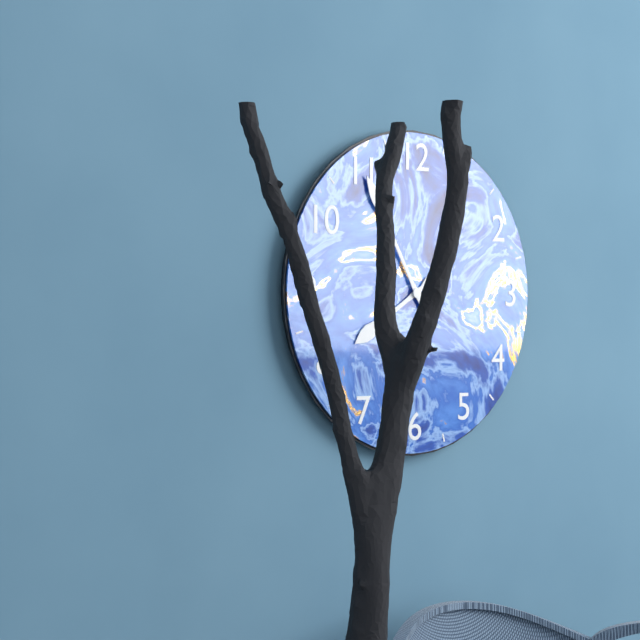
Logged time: 7 h 55 min
